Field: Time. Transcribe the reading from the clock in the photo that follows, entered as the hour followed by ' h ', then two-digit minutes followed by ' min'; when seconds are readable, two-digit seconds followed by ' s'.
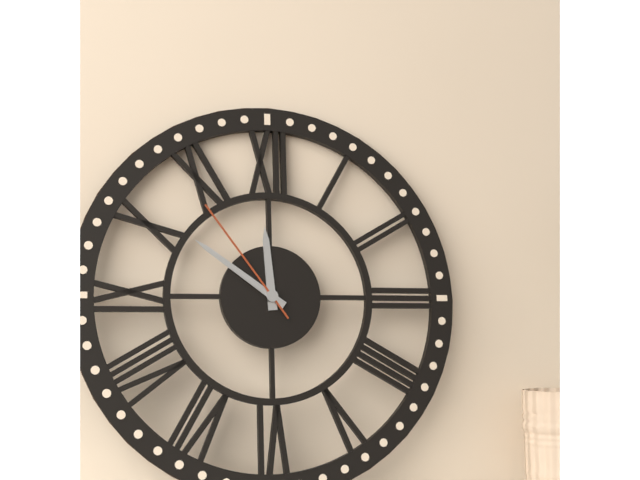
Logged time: 11 h 51 min 54 s
